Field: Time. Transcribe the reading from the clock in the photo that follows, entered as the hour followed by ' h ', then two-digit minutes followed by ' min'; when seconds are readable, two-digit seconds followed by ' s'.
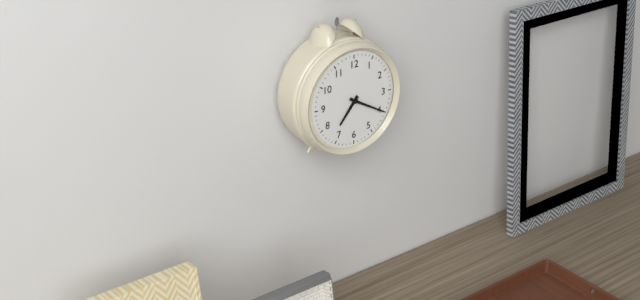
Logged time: 7 h 20 min
